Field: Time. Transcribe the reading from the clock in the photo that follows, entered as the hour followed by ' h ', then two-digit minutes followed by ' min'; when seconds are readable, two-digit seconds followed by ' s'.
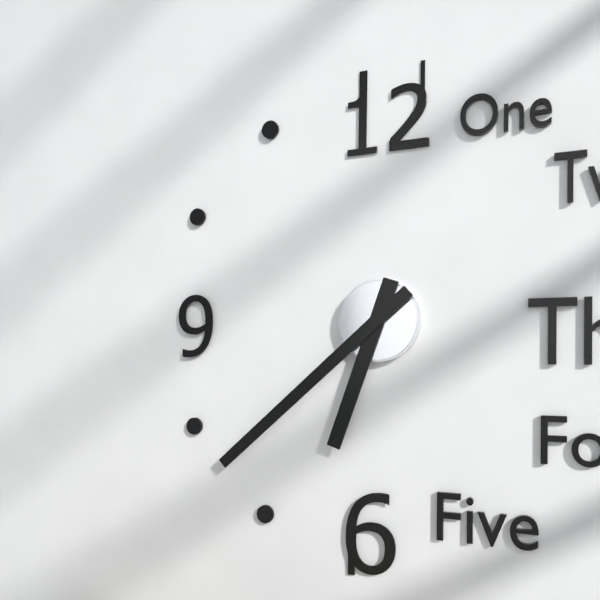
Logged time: 6 h 38 min
